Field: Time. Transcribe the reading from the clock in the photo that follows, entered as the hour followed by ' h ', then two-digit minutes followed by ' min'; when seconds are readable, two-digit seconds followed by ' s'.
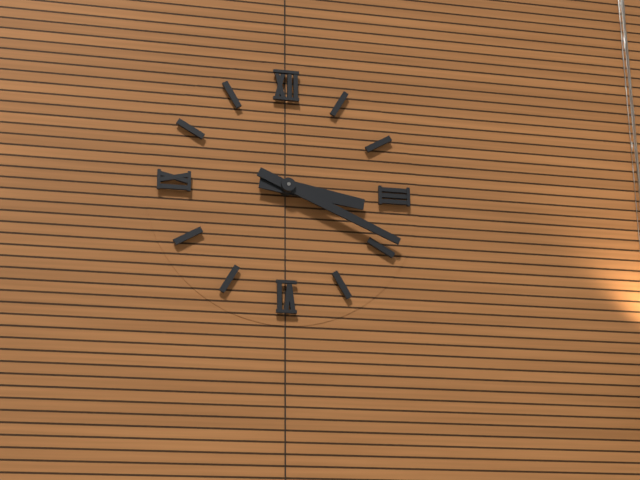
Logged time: 3 h 19 min
